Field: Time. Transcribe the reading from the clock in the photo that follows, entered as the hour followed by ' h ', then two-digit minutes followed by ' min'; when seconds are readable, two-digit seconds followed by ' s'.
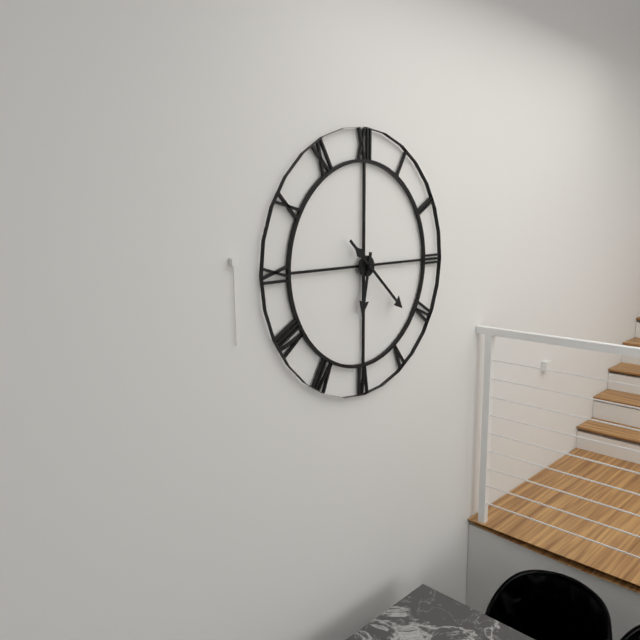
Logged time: 6 h 22 min
